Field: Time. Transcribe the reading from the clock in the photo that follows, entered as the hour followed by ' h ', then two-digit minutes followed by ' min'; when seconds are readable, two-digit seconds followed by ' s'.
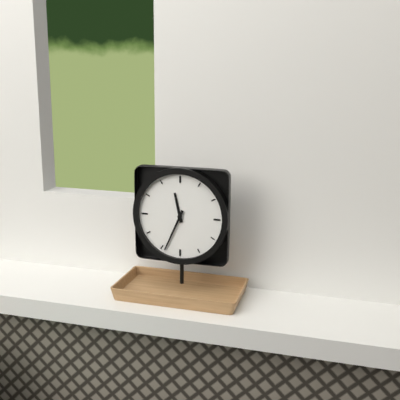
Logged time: 11 h 34 min
